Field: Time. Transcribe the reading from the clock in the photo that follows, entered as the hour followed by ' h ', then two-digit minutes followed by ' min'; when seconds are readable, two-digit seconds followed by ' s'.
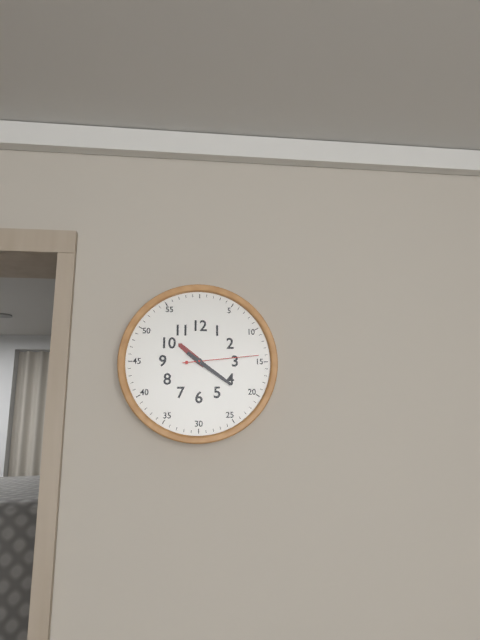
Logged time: 10 h 21 min 14 s
